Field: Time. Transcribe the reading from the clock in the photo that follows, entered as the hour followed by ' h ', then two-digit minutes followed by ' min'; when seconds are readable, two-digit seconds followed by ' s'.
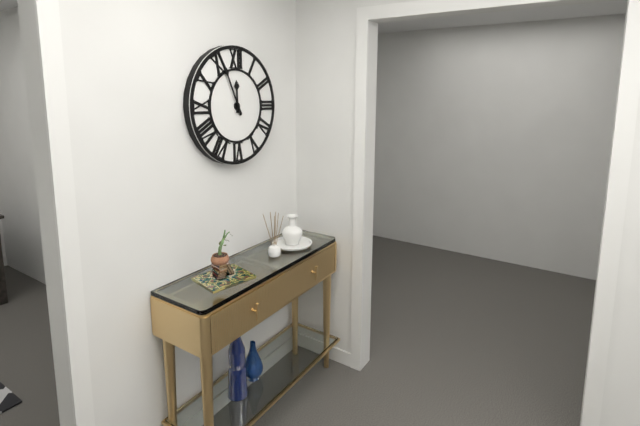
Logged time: 11 h 56 min
